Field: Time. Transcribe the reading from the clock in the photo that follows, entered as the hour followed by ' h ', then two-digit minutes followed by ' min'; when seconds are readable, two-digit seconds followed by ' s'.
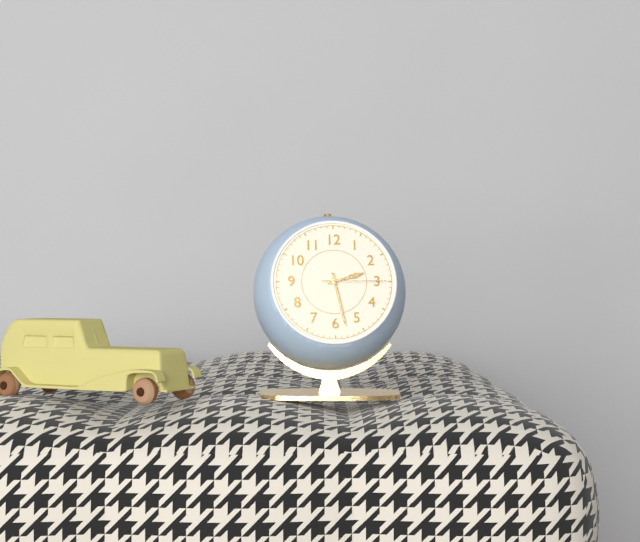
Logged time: 2 h 28 min 15 s
